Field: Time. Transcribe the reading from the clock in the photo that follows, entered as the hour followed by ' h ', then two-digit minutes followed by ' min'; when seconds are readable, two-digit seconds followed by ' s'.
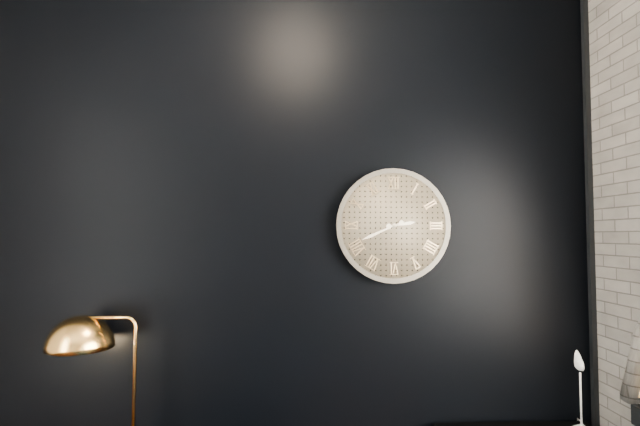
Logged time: 2 h 41 min
